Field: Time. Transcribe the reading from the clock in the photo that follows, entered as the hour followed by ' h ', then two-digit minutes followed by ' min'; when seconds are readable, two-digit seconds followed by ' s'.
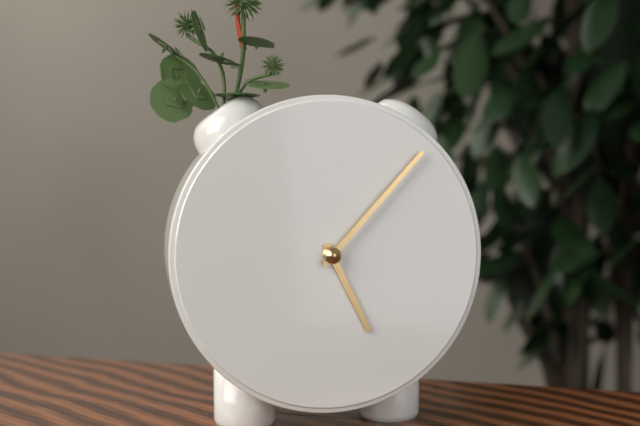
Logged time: 5 h 07 min
